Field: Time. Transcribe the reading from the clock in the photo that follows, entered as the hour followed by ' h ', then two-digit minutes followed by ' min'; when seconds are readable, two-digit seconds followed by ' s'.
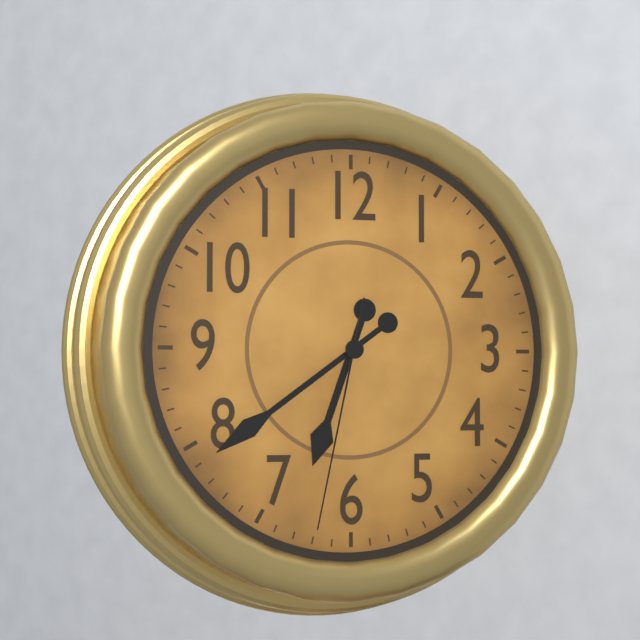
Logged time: 6 h 39 min 32 s
